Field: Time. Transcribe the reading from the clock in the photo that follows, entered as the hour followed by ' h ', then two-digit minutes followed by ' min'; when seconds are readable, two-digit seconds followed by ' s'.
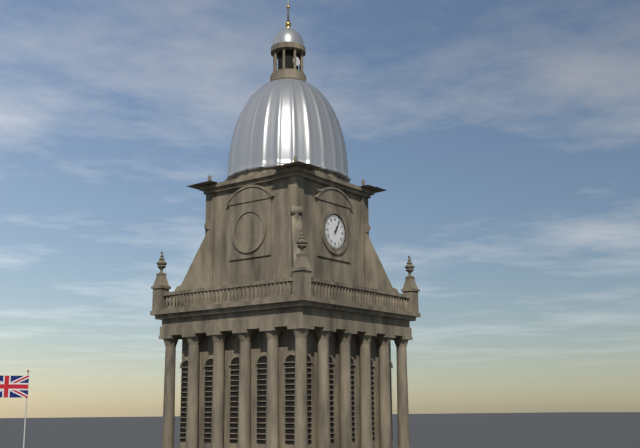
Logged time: 1 h 05 min
